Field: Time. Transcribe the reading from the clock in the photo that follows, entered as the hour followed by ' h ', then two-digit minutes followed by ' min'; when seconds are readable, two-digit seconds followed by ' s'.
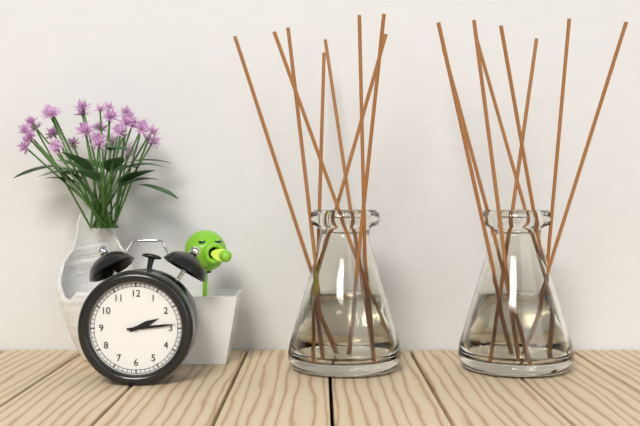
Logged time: 2 h 14 min
